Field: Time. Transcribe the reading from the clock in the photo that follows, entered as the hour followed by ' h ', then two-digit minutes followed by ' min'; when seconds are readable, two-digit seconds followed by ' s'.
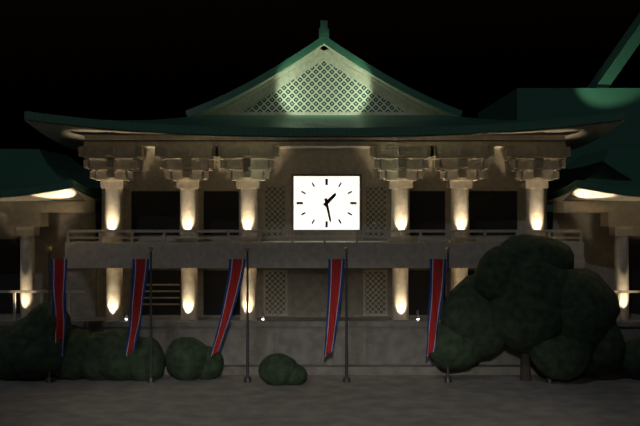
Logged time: 1 h 28 min
